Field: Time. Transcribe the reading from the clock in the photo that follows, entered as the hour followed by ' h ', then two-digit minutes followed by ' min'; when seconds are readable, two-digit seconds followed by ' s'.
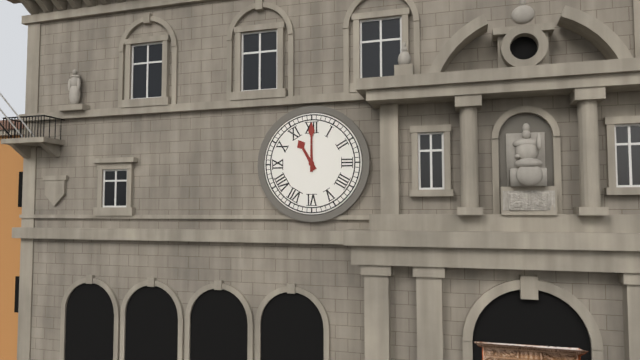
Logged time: 11 h 00 min
